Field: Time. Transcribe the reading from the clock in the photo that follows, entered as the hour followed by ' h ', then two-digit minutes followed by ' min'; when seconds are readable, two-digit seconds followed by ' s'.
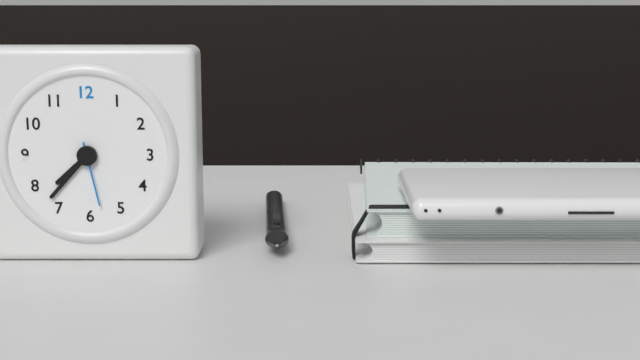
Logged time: 7 h 37 min 28 s
